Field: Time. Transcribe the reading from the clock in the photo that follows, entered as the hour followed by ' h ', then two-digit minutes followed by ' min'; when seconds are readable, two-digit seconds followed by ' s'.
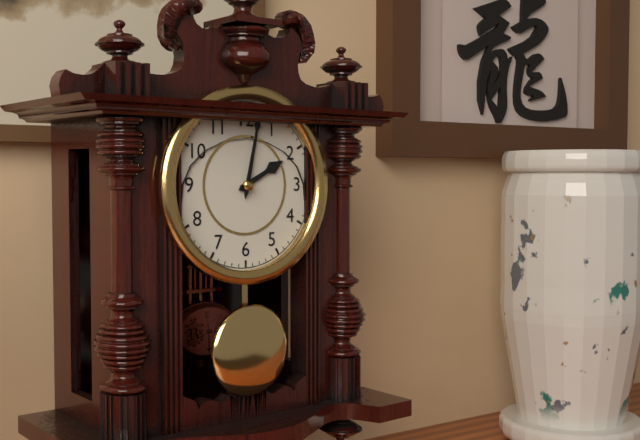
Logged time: 2 h 02 min
